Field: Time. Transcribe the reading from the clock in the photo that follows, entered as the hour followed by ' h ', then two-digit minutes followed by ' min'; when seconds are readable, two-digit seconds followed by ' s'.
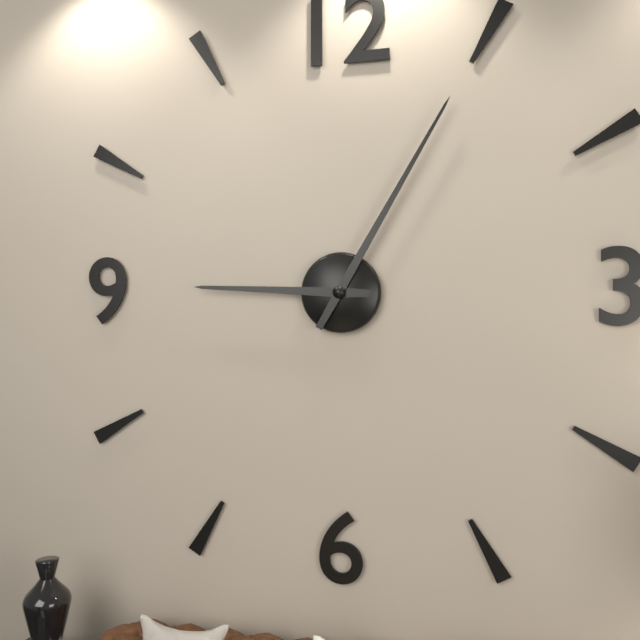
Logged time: 9 h 05 min
